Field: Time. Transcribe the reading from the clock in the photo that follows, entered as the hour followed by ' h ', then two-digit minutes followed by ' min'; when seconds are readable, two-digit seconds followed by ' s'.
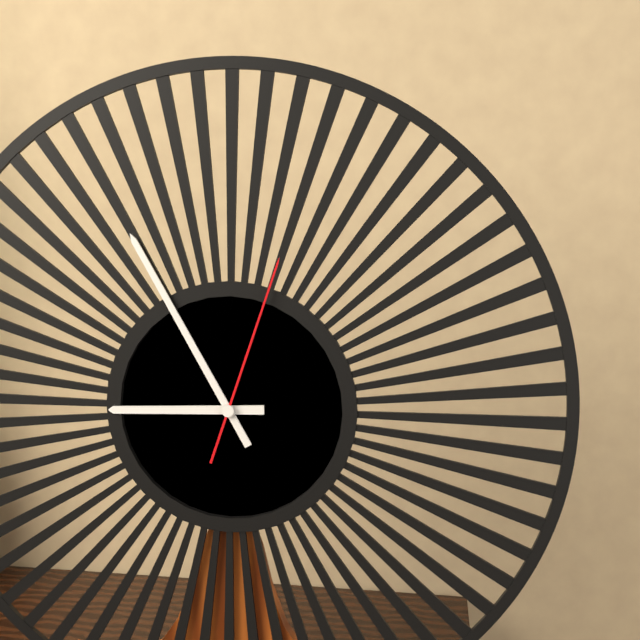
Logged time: 8 h 55 min 03 s
